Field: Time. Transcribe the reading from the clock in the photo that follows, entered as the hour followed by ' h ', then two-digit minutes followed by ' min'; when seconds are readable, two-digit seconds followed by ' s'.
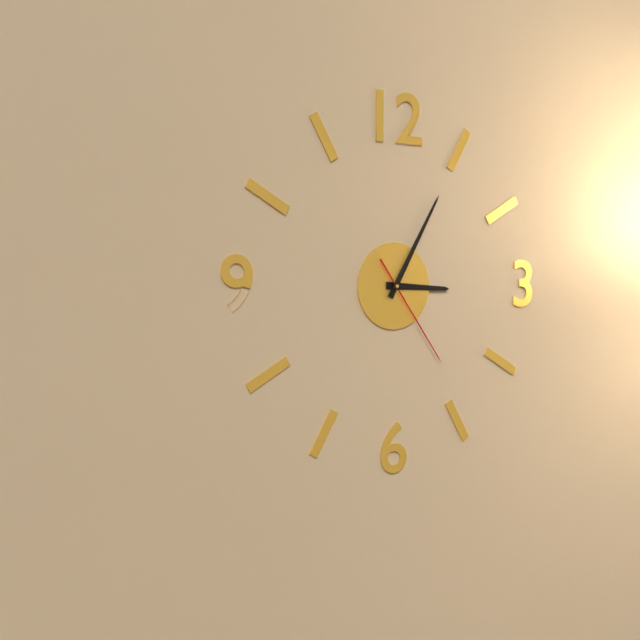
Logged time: 3 h 05 min 24 s
